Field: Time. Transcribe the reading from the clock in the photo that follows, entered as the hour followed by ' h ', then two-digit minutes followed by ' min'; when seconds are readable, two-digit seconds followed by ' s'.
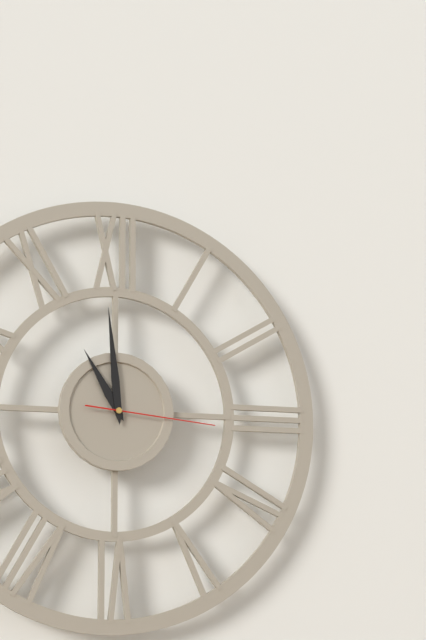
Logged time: 10 h 59 min 16 s
